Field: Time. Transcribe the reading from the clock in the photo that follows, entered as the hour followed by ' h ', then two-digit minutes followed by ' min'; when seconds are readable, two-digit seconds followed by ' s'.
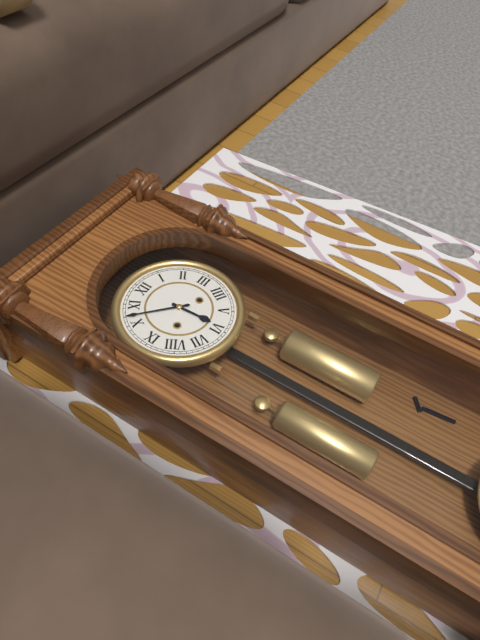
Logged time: 5 h 52 min
